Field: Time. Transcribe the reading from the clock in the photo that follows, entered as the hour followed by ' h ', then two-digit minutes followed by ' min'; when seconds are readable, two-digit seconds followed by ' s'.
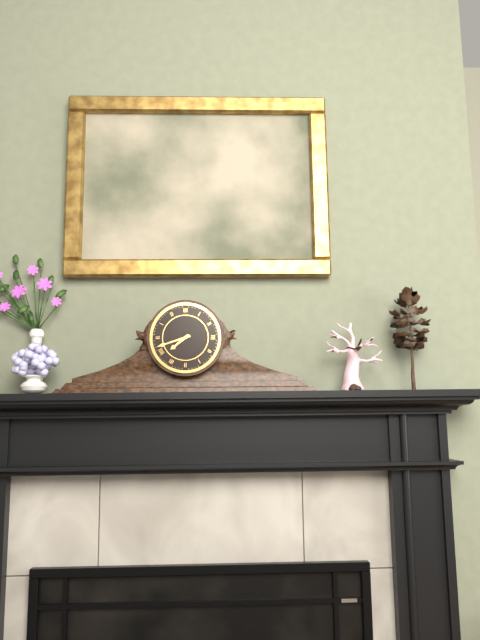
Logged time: 7 h 42 min
